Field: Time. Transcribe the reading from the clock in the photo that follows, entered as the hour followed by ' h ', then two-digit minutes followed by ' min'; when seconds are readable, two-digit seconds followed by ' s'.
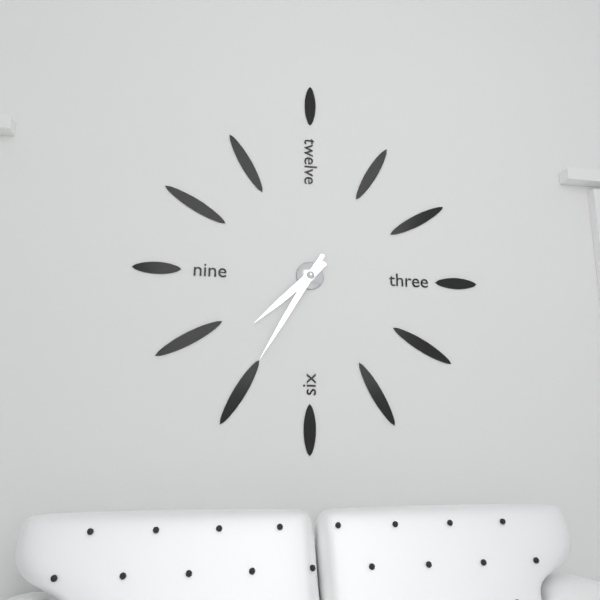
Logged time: 7 h 35 min
